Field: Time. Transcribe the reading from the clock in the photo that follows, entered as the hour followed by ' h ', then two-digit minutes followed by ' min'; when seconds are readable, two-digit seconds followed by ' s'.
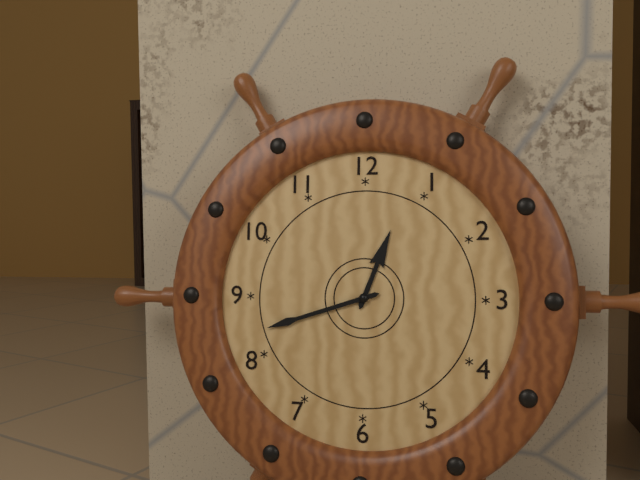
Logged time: 12 h 42 min
